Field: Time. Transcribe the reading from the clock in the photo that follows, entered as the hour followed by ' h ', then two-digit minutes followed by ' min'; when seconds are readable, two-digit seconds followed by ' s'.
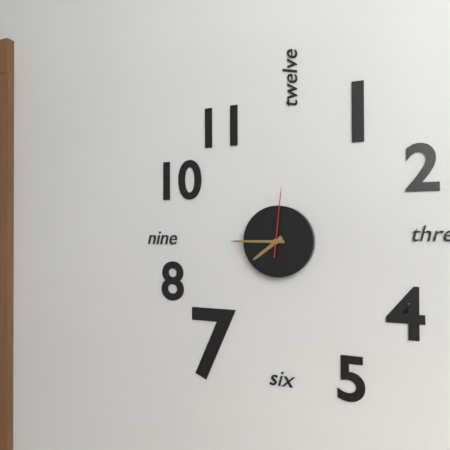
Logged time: 7 h 45 min 01 s
